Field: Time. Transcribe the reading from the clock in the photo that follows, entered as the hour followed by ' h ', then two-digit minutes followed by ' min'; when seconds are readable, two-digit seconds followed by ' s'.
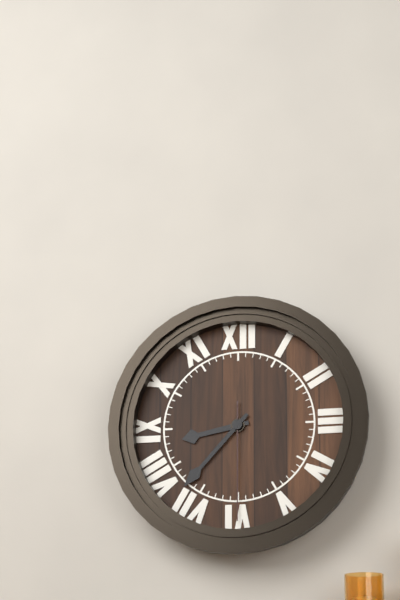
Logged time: 8 h 37 min 30 s
